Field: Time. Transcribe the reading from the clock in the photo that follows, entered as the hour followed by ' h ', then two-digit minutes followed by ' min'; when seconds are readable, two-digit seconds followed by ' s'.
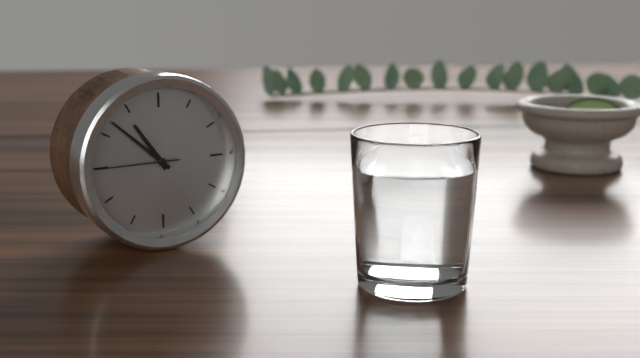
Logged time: 10 h 52 min 45 s
